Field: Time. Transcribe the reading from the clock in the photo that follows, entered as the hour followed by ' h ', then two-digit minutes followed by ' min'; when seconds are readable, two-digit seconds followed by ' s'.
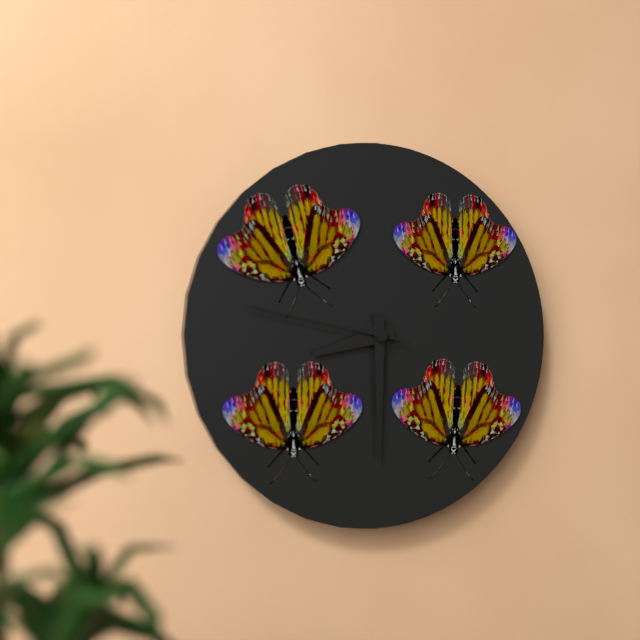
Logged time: 8 h 30 min 47 s
